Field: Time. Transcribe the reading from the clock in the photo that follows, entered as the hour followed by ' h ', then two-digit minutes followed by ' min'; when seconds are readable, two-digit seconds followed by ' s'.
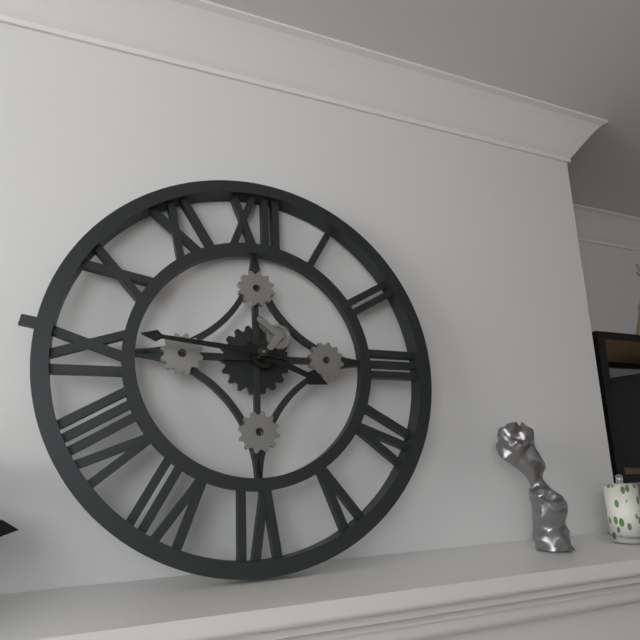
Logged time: 3 h 46 min
